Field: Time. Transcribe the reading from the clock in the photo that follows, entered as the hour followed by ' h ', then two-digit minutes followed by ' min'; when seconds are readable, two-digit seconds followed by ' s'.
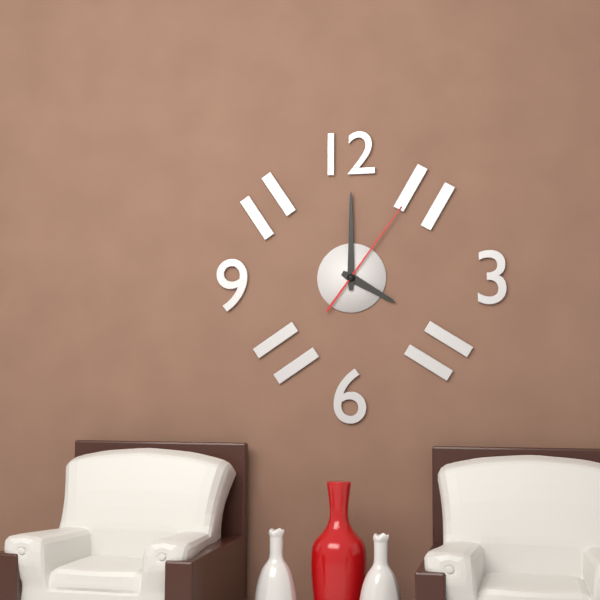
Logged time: 4 h 00 min 06 s
